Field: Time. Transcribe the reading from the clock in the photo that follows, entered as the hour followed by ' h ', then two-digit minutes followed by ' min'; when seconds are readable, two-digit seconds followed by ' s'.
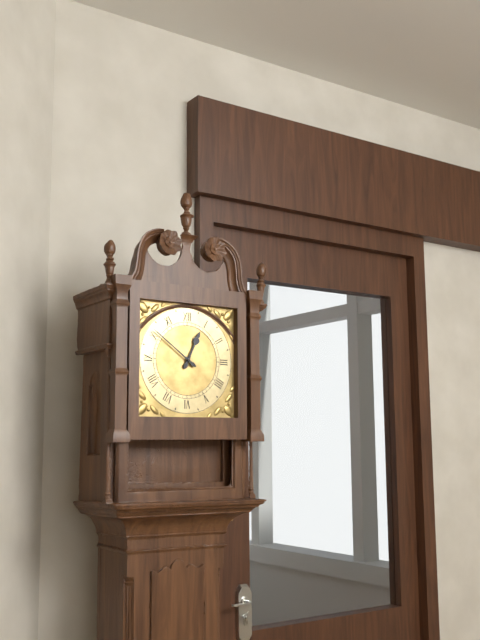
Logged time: 12 h 51 min
